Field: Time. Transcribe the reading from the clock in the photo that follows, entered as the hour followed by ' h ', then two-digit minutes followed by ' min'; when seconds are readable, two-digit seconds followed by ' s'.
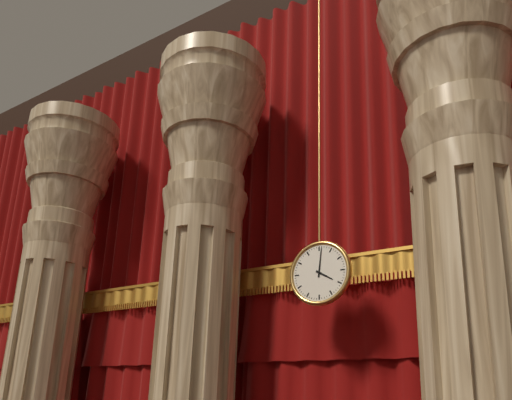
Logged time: 4 h 01 min
